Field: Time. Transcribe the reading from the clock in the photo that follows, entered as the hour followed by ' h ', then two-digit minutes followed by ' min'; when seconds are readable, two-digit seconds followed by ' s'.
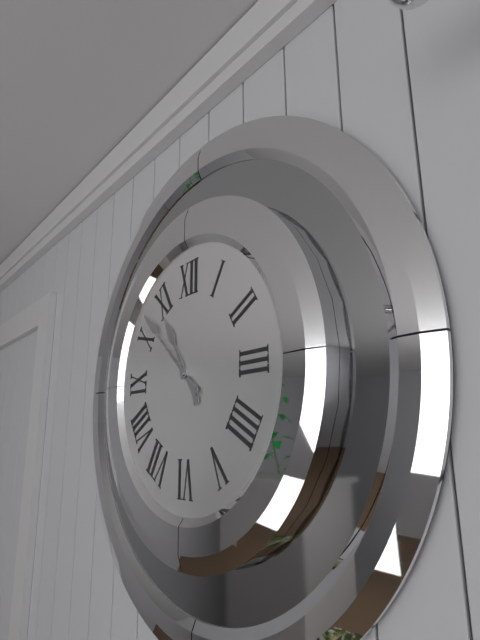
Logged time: 10 h 52 min
